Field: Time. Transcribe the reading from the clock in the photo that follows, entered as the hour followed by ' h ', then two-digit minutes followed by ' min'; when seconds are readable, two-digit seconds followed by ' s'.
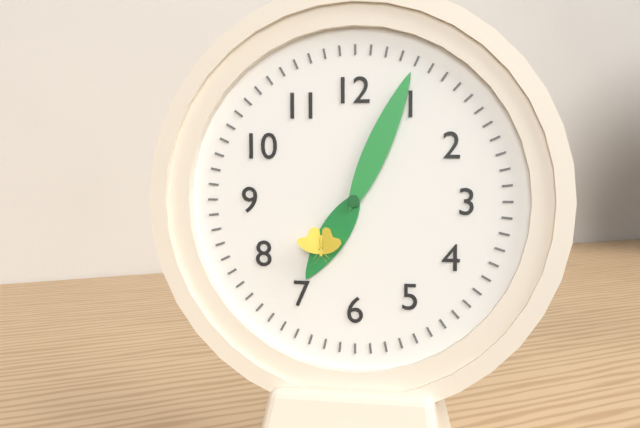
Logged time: 7 h 04 min
